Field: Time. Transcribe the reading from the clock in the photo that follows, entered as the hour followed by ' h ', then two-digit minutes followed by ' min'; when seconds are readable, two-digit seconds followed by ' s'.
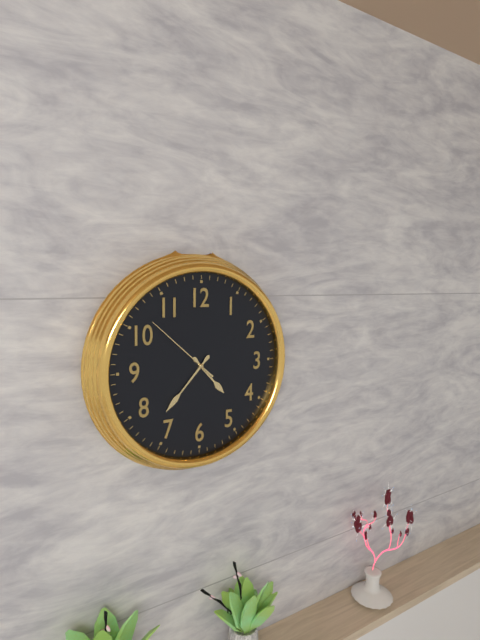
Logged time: 4 h 37 min 52 s
